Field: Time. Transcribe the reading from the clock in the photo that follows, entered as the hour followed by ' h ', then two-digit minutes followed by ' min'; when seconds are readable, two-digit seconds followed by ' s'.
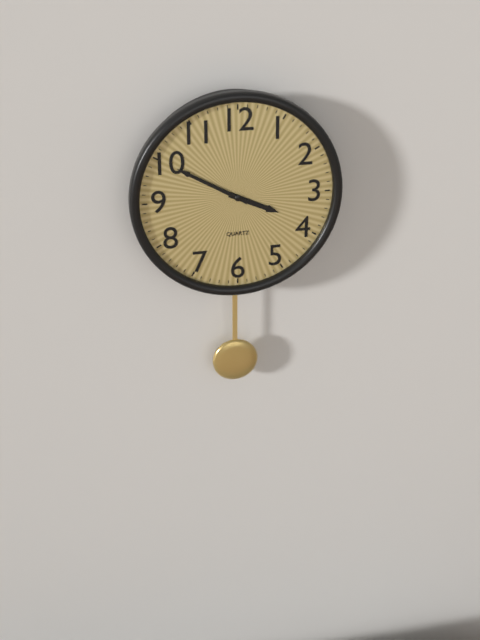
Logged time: 3 h 50 min
